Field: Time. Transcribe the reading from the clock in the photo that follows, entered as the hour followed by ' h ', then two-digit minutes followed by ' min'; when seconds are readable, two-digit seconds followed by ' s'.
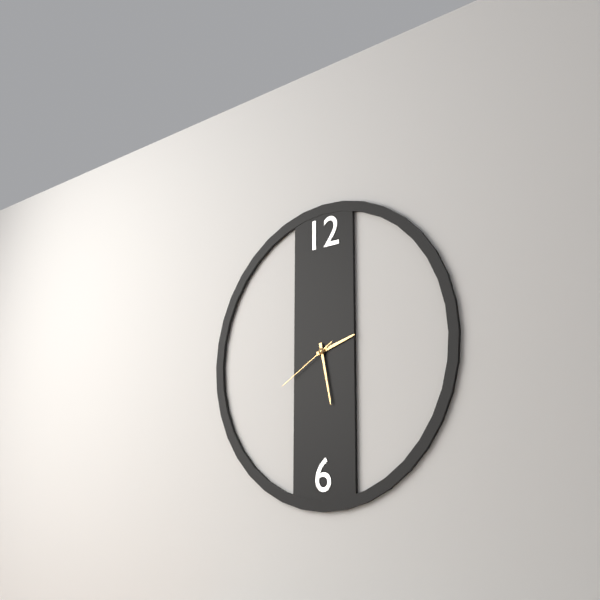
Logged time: 2 h 28 min 40 s
